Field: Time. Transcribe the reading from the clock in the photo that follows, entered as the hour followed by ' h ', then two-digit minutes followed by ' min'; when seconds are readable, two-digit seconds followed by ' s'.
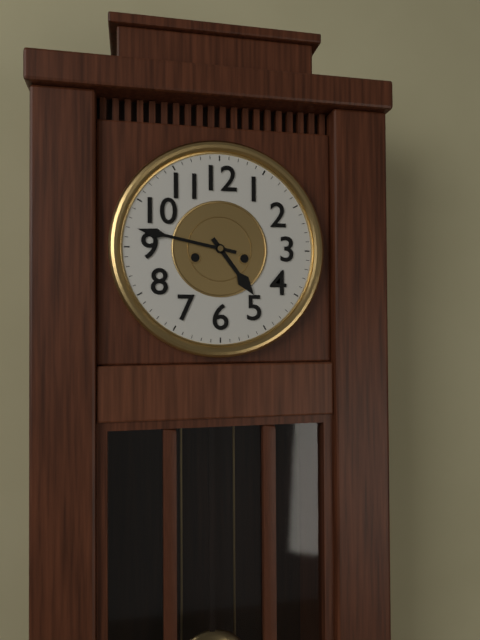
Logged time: 4 h 47 min
